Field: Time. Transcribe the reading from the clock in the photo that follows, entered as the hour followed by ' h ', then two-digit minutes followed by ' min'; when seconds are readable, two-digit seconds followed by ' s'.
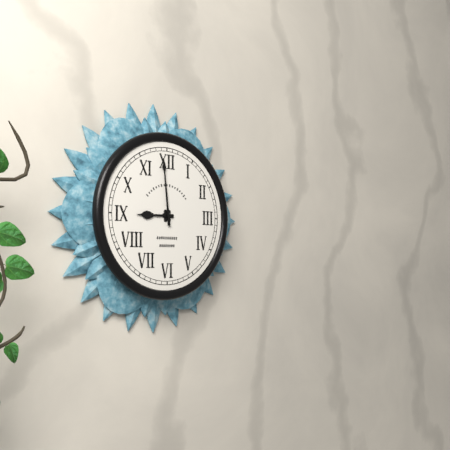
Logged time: 8 h 59 min
